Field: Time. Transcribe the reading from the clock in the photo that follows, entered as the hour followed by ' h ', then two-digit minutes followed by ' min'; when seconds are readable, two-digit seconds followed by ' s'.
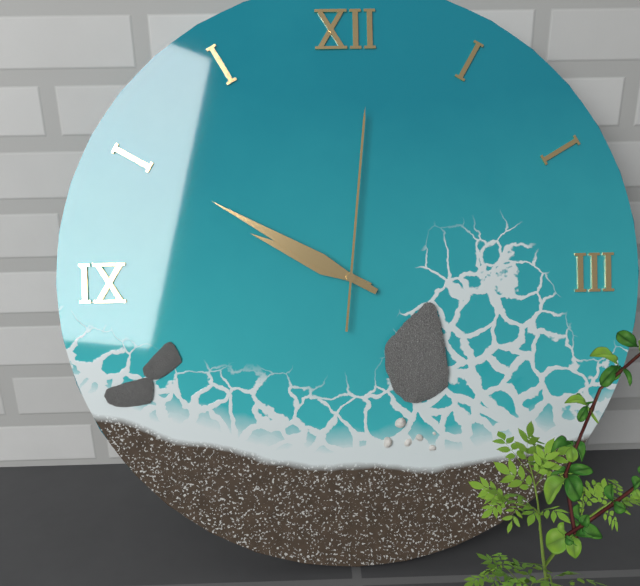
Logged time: 9 h 50 min 01 s
